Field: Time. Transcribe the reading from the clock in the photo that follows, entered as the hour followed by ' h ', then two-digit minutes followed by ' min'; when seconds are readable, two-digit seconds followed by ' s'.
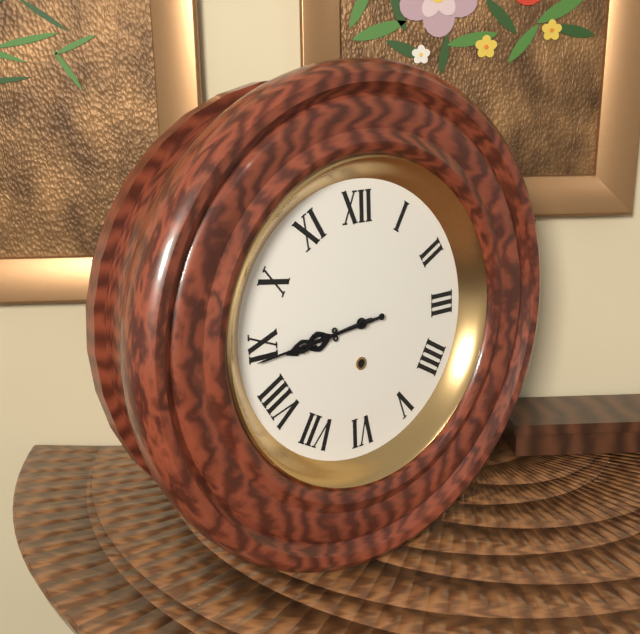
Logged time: 8 h 44 min
